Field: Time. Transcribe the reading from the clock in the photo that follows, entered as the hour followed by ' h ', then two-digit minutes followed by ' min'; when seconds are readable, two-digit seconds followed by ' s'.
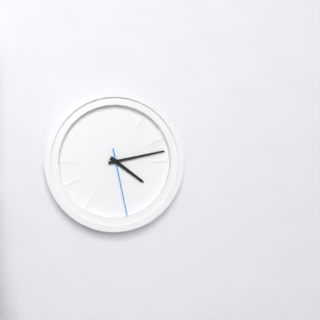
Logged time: 4 h 13 min 28 s
